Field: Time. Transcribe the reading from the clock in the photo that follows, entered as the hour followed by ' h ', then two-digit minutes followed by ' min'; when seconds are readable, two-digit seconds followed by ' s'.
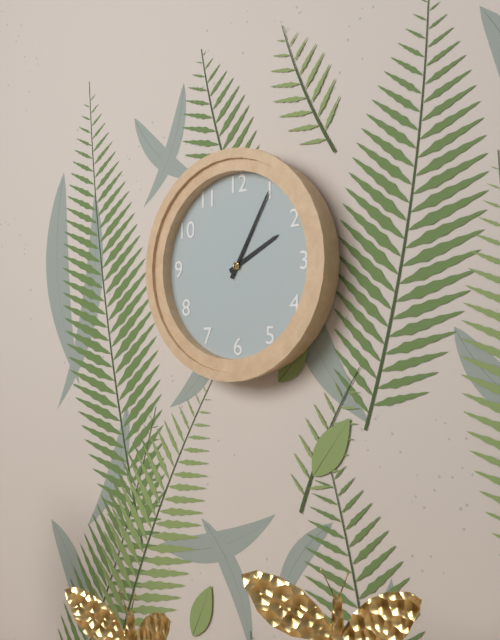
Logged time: 2 h 05 min
